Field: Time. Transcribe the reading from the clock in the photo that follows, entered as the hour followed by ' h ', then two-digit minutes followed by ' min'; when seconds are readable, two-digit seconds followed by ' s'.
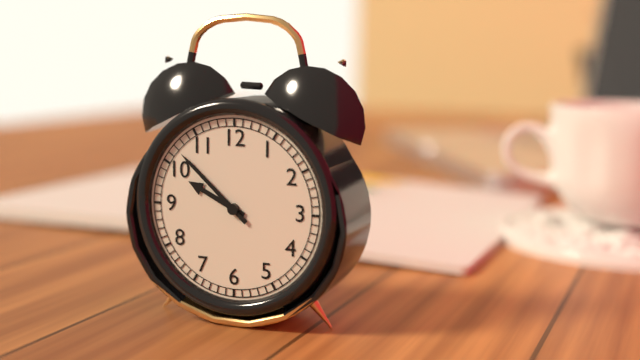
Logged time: 9 h 52 min
